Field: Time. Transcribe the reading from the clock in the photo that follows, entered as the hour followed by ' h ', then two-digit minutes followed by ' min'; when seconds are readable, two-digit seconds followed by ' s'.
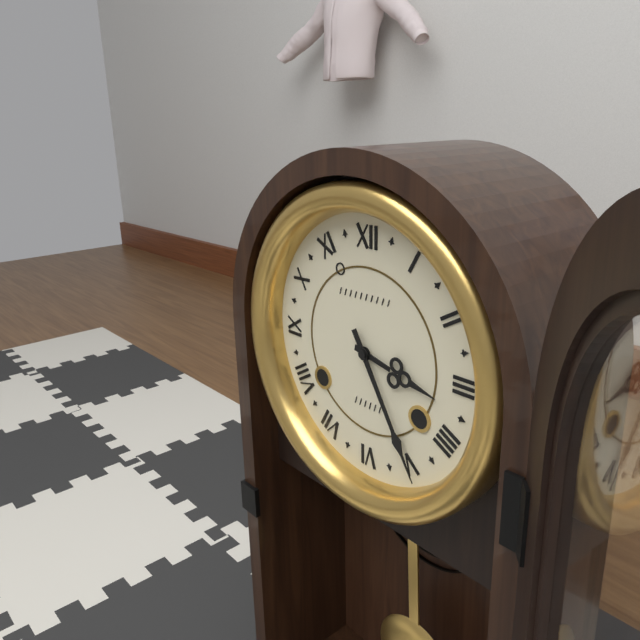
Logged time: 3 h 25 min
